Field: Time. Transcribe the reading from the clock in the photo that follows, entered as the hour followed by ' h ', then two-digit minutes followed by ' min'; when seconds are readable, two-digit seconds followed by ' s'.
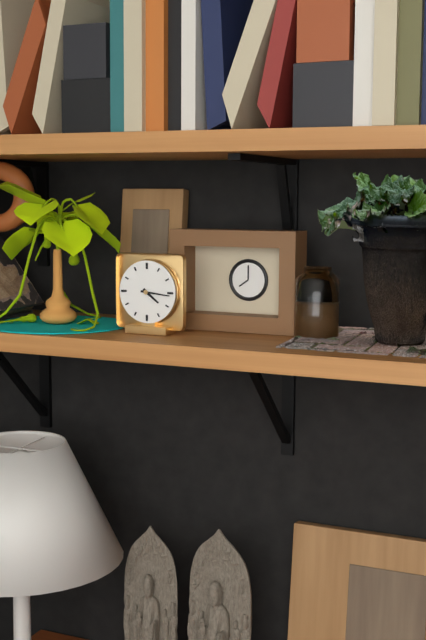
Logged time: 4 h 16 min
